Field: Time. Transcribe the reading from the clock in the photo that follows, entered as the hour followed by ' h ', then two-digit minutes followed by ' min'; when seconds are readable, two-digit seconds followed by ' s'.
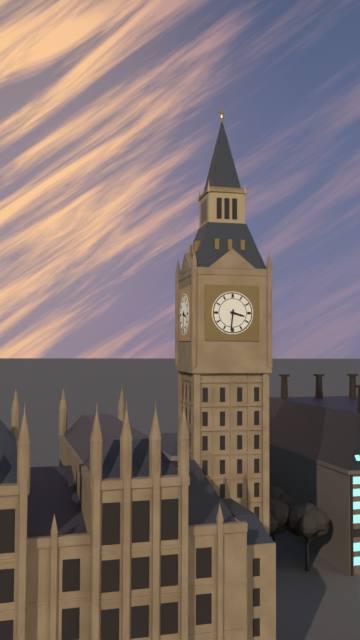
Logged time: 3 h 31 min
